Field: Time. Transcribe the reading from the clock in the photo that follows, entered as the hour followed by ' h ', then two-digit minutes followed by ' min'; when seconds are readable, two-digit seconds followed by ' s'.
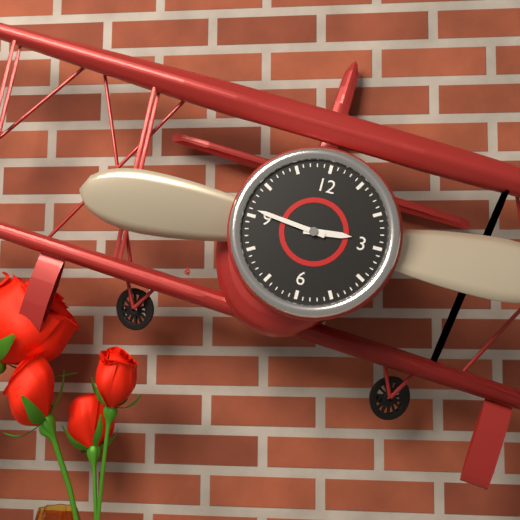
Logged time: 2 h 46 min
